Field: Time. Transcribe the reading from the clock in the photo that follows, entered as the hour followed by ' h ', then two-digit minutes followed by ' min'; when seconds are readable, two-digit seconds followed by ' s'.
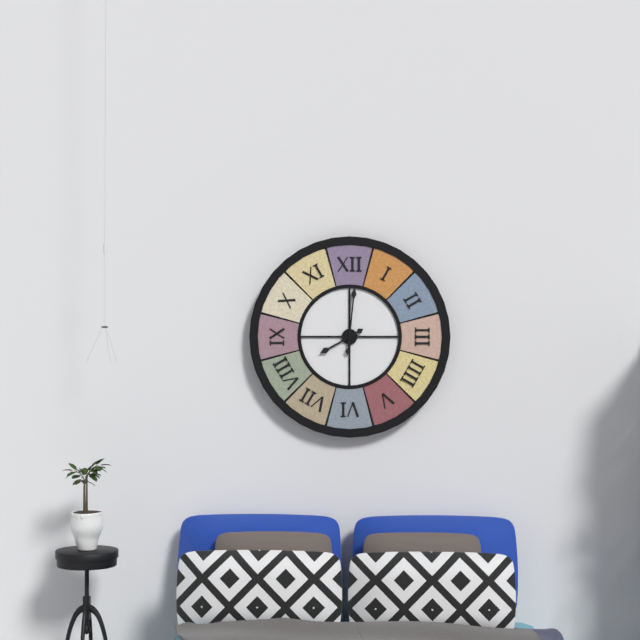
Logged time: 8 h 01 min
